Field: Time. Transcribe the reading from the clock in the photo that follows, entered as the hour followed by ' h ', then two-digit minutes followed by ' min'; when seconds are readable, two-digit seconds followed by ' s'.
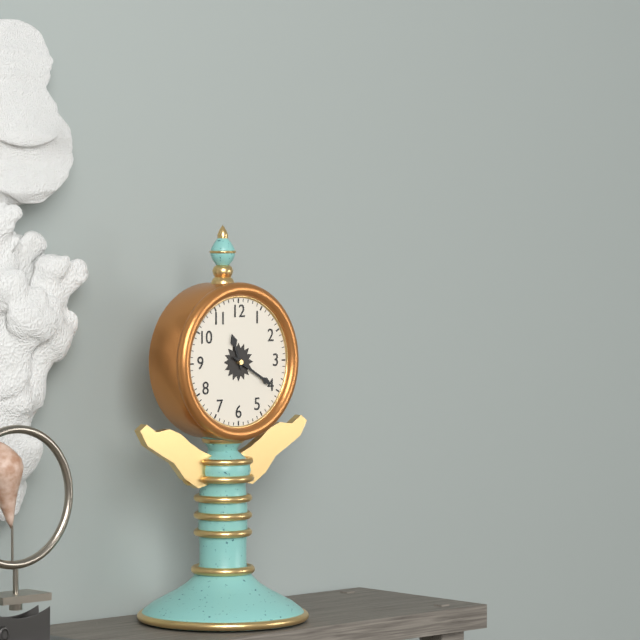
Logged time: 11 h 20 min
